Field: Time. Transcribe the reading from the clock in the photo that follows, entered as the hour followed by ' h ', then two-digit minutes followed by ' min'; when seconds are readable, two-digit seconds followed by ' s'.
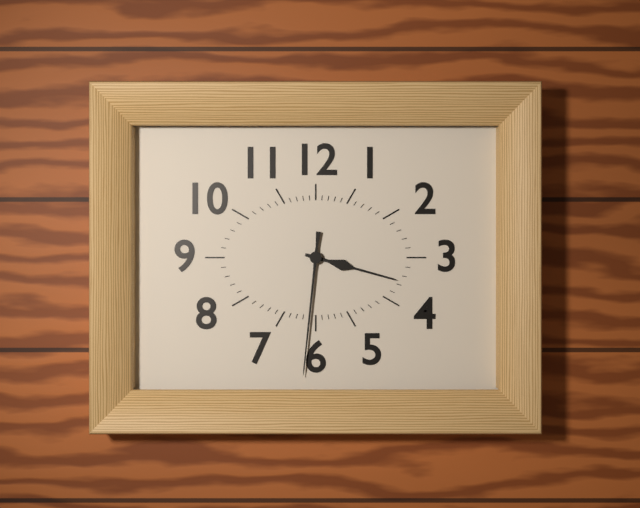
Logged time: 3 h 31 min
